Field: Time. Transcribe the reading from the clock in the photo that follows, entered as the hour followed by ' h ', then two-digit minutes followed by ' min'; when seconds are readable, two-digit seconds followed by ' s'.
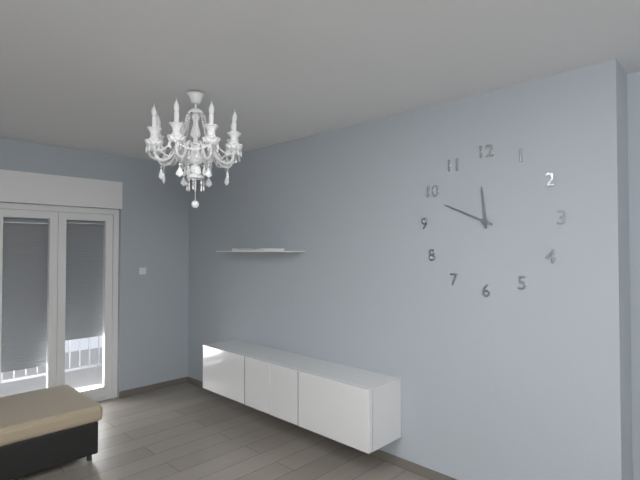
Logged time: 11 h 49 min
